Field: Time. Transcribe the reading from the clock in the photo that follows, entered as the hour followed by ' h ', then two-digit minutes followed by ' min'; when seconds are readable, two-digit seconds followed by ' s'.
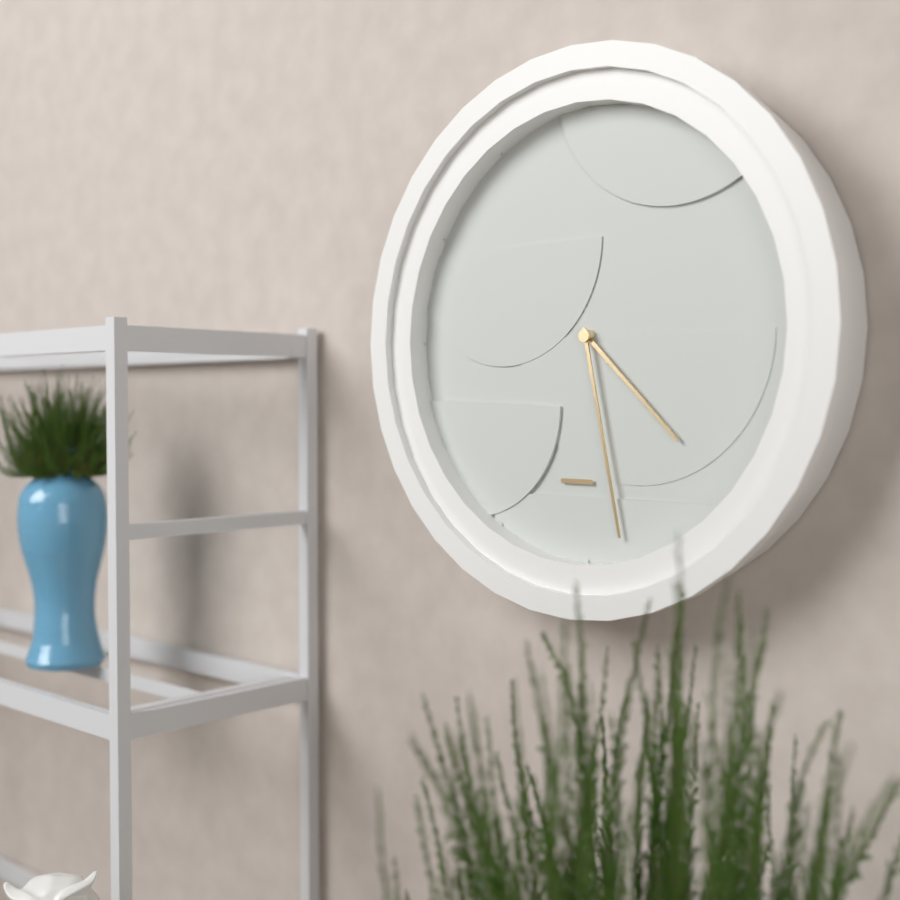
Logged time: 4 h 28 min
